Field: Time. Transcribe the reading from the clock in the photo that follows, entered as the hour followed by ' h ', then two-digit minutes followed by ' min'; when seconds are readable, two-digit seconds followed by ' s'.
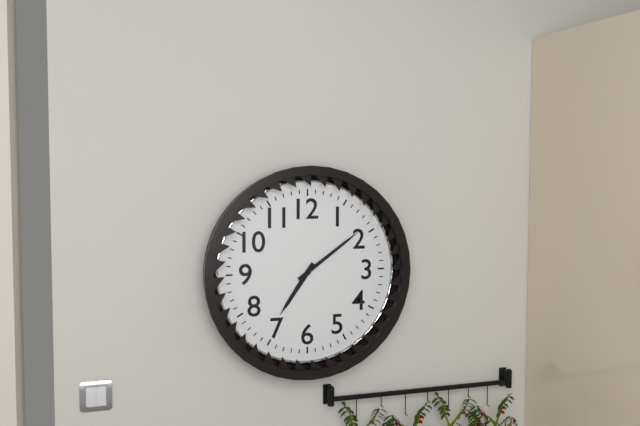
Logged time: 7 h 09 min
